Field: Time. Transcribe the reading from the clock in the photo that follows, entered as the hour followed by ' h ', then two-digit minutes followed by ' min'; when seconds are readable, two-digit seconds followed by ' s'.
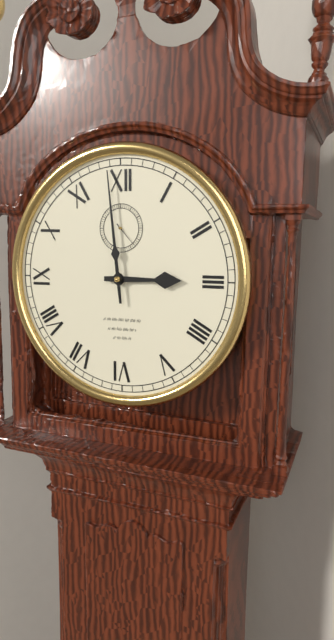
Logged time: 2 h 59 min
